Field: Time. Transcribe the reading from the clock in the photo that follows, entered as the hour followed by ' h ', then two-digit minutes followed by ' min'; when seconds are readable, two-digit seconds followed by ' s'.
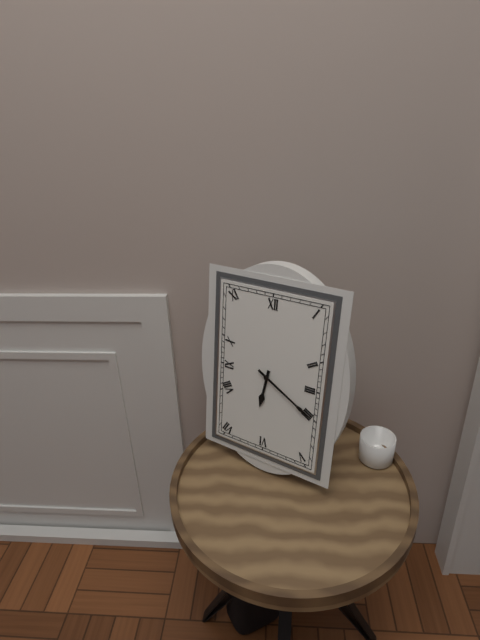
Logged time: 6 h 20 min
